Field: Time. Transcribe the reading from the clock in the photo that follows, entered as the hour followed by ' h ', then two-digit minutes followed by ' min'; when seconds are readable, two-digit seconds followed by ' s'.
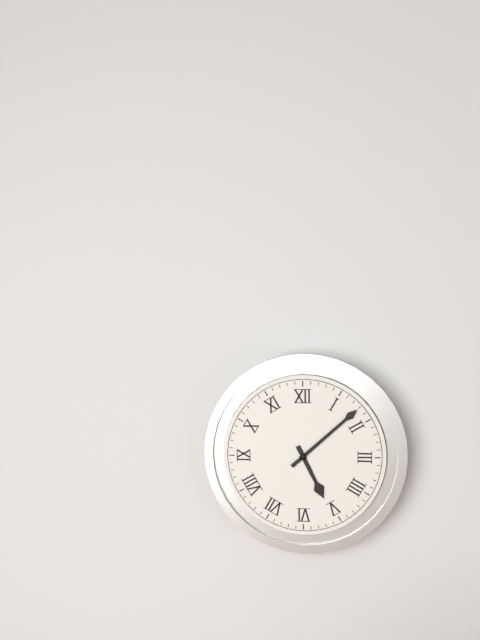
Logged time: 5 h 08 min
